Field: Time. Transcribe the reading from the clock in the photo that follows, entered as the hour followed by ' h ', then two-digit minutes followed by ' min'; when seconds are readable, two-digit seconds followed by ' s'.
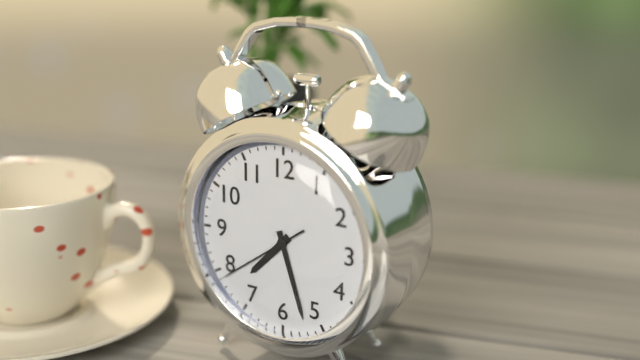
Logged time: 7 h 27 min 39 s
